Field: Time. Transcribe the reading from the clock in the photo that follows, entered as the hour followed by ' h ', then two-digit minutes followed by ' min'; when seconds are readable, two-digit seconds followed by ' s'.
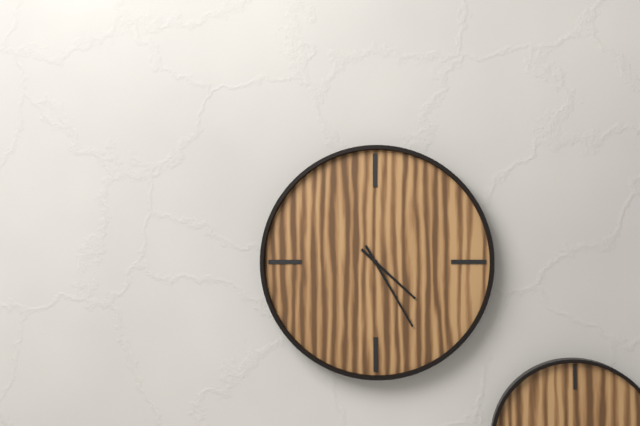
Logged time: 4 h 25 min
